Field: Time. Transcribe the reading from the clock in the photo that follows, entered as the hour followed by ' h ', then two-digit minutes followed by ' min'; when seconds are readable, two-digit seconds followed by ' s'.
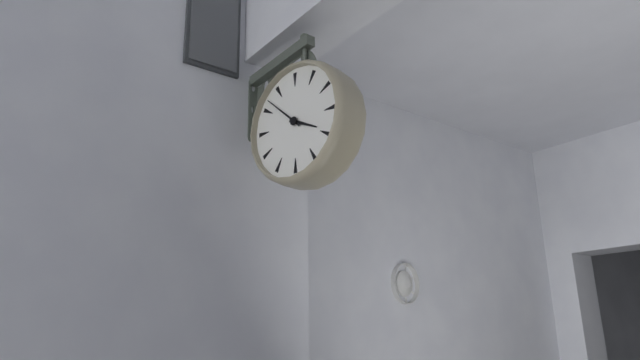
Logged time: 3 h 52 min
